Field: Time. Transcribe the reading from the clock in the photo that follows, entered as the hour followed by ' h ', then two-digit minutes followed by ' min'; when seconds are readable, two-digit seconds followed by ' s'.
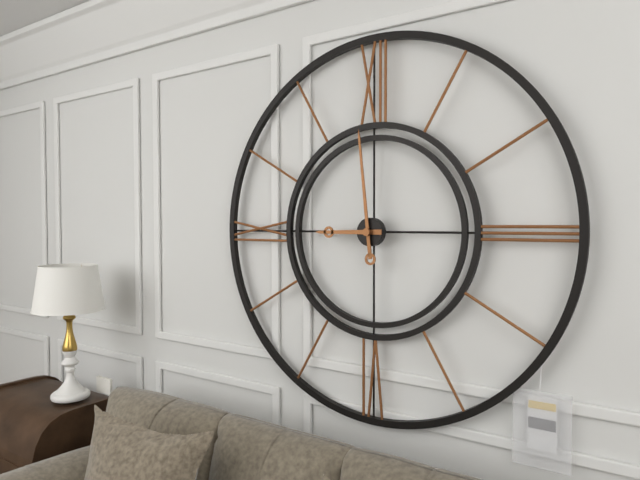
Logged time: 8 h 59 min
